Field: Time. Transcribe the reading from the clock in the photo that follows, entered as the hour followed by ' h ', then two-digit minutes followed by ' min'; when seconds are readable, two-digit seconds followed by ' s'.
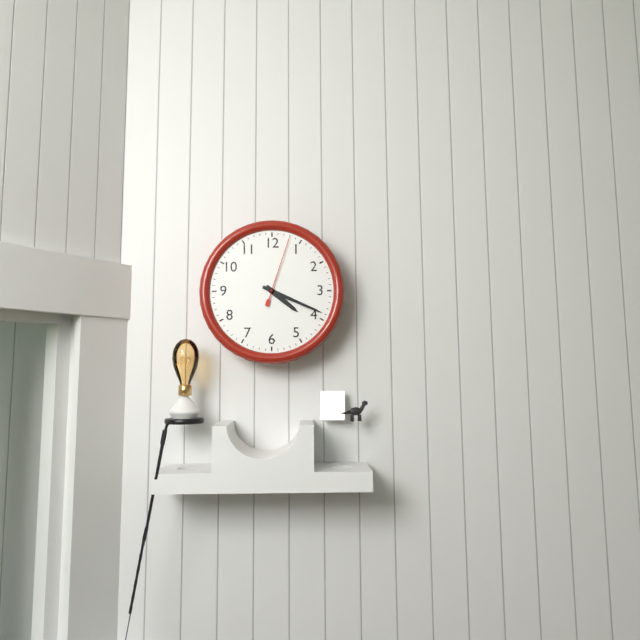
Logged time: 4 h 19 min 03 s
